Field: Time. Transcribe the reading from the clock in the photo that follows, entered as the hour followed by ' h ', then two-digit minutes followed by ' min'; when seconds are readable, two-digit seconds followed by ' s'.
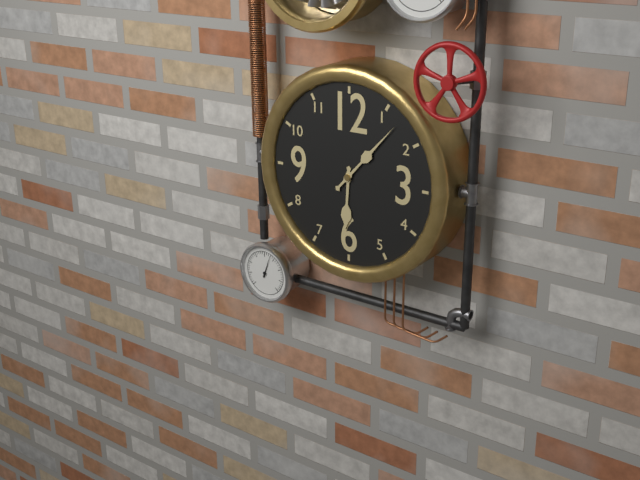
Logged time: 6 h 07 min
